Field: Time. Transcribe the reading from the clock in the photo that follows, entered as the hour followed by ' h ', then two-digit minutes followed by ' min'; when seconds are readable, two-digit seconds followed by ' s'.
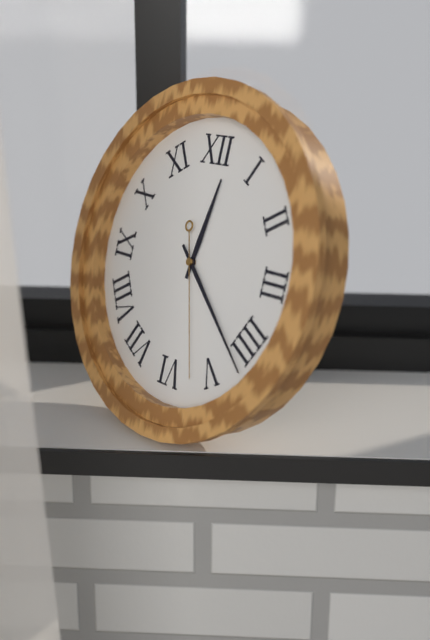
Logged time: 12 h 22 min 27 s
